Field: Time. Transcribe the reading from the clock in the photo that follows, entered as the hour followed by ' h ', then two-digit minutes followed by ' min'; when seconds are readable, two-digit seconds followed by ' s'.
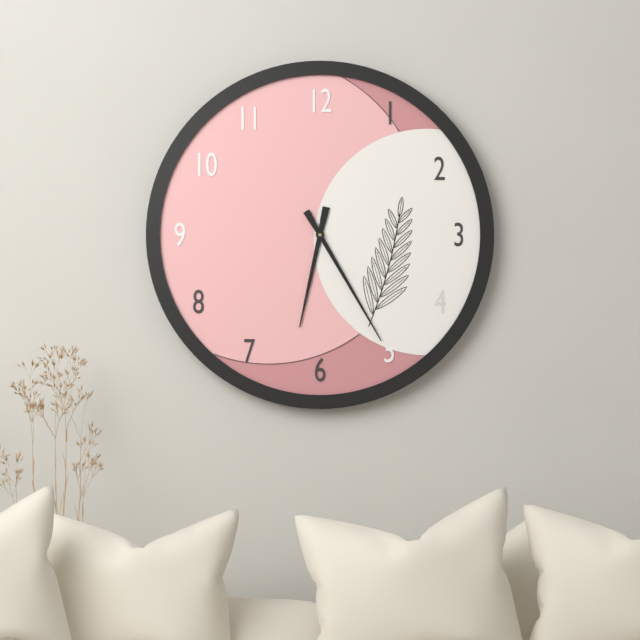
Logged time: 6 h 25 min
